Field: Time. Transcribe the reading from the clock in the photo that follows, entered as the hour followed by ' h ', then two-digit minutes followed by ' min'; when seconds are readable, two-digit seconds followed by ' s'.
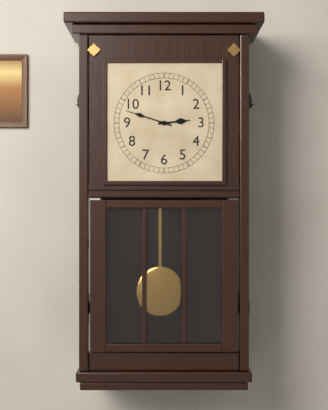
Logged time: 2 h 48 min
